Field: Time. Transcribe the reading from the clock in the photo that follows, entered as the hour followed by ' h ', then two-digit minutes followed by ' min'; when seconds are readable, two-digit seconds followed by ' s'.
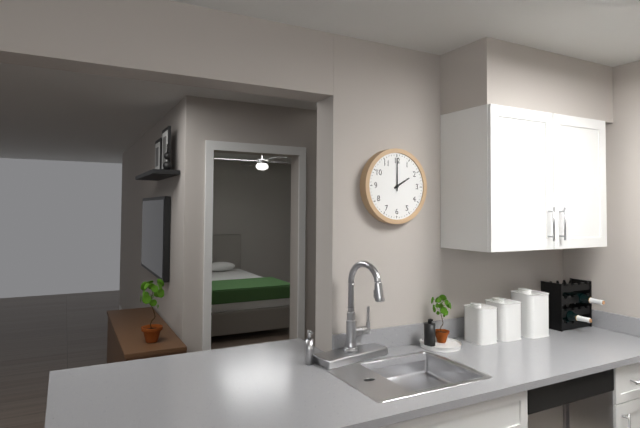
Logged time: 2 h 00 min
